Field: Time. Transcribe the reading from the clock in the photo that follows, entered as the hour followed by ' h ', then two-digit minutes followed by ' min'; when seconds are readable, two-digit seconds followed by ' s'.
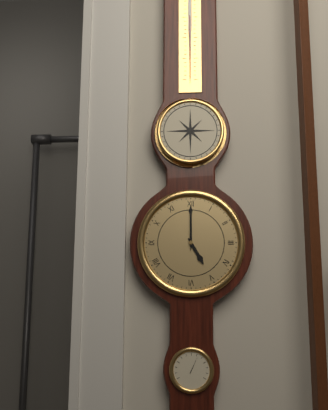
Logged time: 5 h 00 min
